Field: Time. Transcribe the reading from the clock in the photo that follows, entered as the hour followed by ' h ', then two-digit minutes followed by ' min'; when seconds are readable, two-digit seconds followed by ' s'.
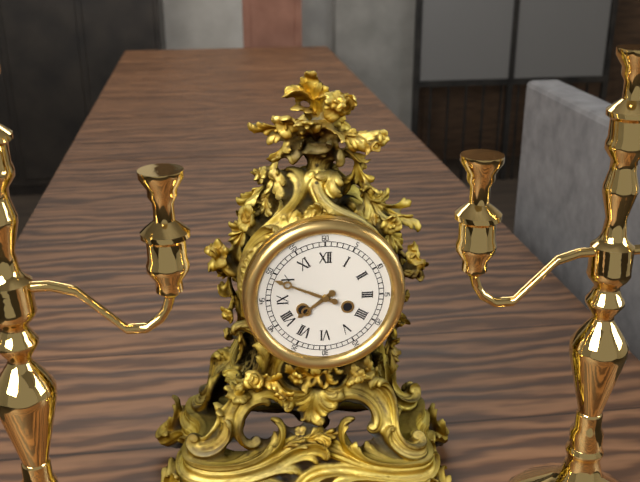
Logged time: 7 h 49 min
